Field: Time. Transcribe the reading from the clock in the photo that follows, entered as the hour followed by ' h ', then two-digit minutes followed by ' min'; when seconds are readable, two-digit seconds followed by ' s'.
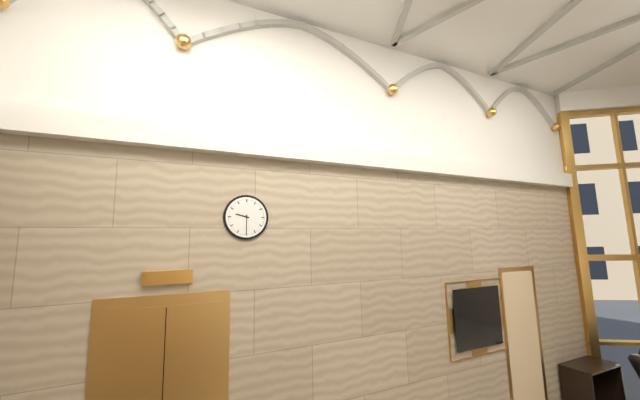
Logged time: 9 h 30 min
